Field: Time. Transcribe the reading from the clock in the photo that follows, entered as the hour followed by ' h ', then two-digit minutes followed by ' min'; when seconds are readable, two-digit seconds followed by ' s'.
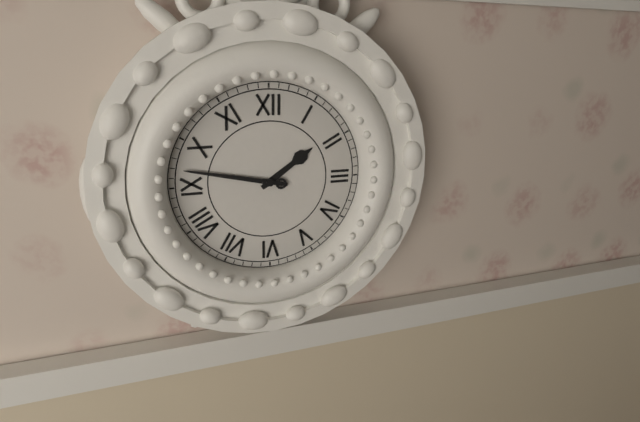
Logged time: 1 h 47 min
